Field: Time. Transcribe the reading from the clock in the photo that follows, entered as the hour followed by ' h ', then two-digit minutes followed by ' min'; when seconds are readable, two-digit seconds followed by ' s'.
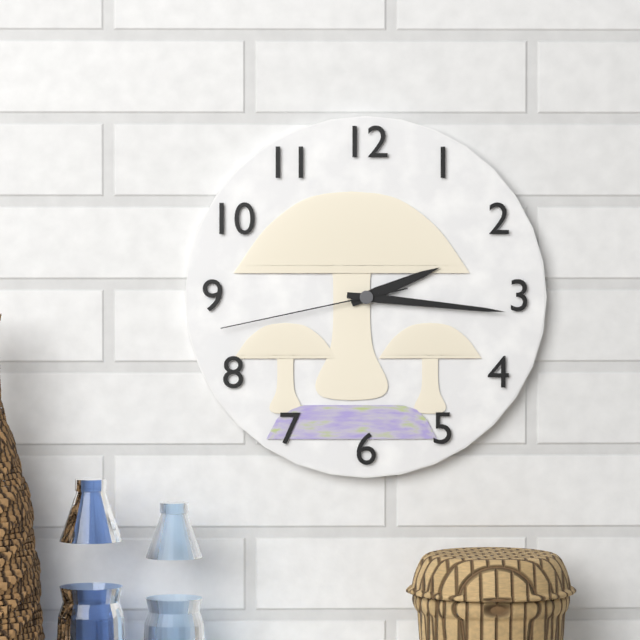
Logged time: 2 h 16 min 43 s
